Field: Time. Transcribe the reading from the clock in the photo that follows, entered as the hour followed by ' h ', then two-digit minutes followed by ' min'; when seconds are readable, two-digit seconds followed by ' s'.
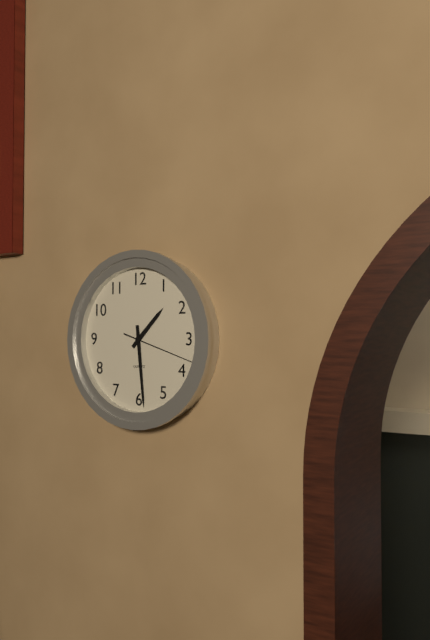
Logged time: 1 h 29 min 18 s
